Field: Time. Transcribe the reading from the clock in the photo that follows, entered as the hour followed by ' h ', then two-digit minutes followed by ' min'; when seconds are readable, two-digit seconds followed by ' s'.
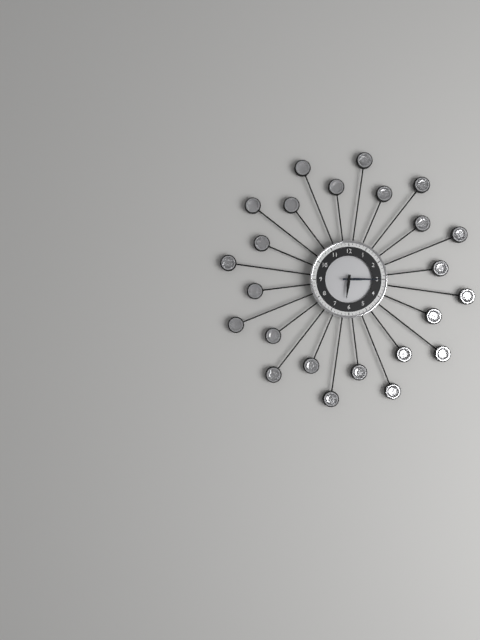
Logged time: 6 h 15 min
